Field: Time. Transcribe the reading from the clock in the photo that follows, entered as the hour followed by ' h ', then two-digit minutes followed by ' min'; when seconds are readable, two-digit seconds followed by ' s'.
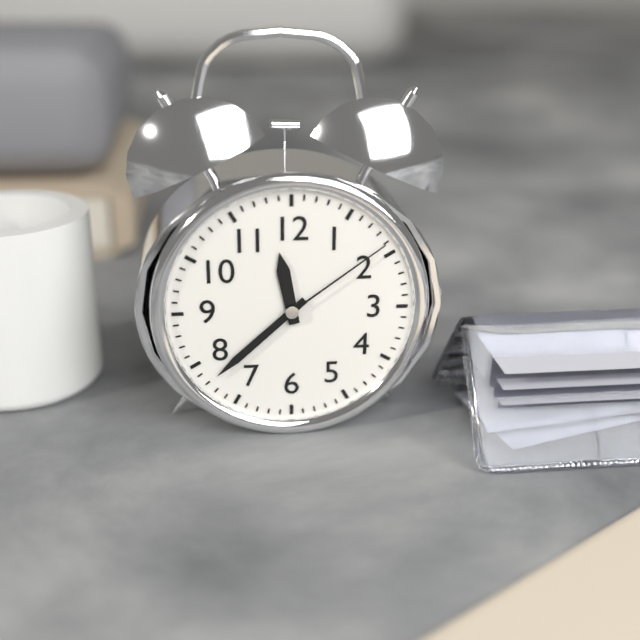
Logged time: 11 h 38 min 09 s
